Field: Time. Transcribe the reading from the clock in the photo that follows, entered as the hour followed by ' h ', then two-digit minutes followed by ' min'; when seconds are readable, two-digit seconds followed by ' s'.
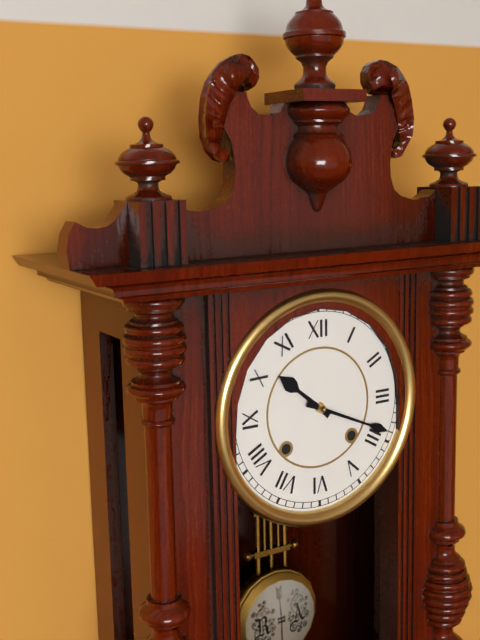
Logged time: 10 h 19 min
